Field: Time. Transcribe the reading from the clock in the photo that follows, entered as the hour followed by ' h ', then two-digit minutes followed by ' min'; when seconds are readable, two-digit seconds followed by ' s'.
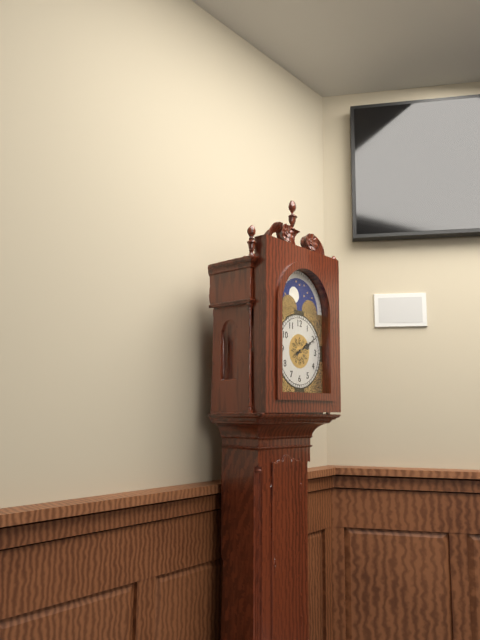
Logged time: 2 h 10 min
